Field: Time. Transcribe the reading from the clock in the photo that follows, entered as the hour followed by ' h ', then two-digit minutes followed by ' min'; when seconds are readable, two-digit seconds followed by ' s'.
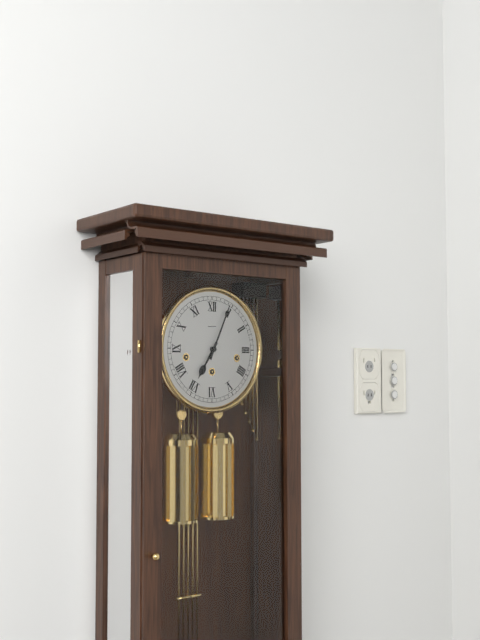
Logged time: 7 h 04 min
